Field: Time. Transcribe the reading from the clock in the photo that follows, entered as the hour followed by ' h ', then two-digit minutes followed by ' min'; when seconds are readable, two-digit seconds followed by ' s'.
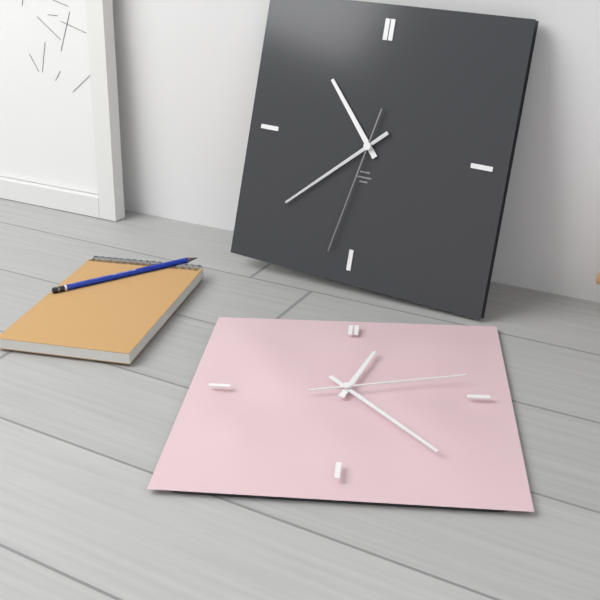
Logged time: 10 h 38 min 32 s
